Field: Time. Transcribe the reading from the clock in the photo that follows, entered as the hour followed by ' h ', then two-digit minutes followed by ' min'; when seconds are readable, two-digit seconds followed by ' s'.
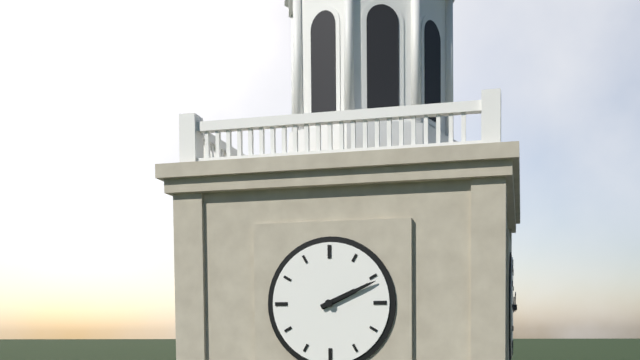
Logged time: 2 h 11 min
